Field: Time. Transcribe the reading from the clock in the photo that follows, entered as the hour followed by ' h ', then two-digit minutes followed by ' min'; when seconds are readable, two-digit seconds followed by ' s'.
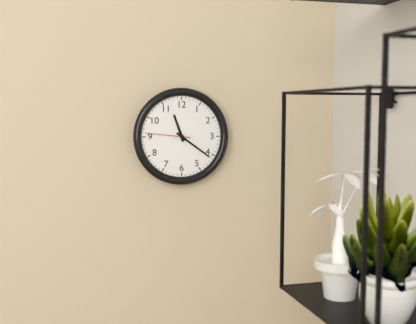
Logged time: 11 h 21 min
